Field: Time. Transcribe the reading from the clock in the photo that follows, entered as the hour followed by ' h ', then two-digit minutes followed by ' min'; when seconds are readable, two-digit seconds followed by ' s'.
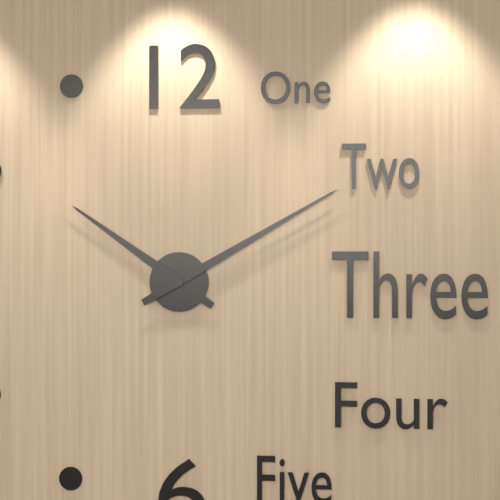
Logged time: 10 h 10 min
